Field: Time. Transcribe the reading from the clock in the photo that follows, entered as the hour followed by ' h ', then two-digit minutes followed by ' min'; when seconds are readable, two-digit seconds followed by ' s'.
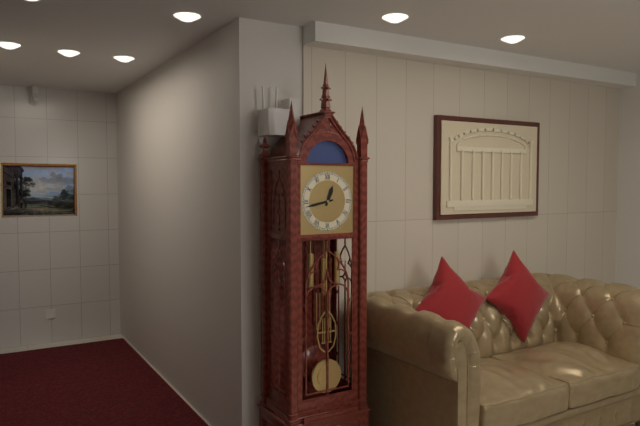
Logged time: 12 h 43 min
